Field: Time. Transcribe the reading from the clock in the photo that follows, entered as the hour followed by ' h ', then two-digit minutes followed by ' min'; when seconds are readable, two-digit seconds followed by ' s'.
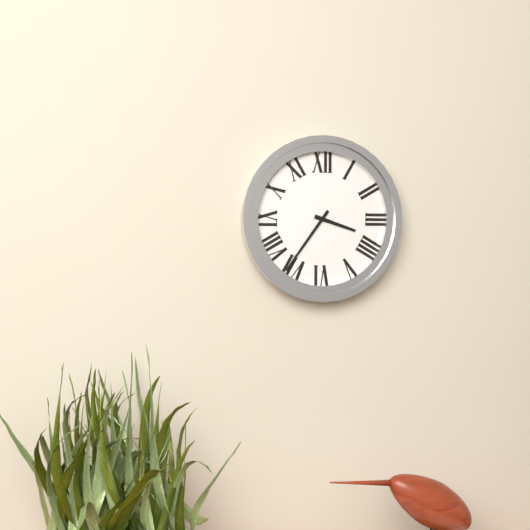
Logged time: 3 h 36 min
